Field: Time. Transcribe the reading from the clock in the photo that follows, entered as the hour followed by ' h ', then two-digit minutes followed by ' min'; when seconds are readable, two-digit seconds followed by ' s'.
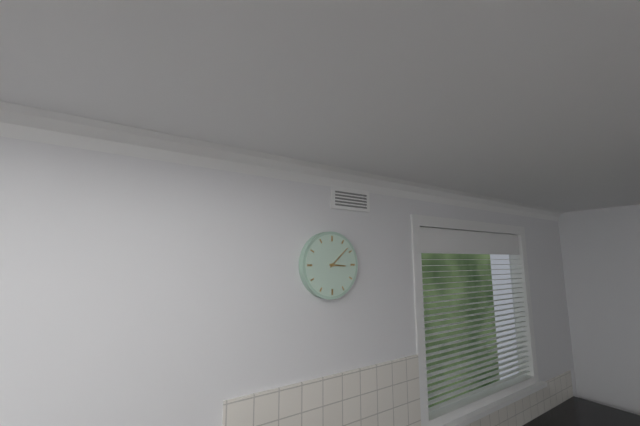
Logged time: 3 h 08 min
